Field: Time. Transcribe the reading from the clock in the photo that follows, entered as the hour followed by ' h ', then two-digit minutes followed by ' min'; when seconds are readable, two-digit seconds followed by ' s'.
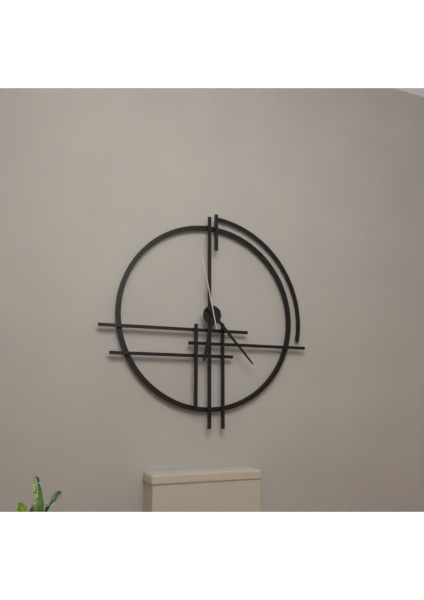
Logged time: 6 h 23 min 58 s
